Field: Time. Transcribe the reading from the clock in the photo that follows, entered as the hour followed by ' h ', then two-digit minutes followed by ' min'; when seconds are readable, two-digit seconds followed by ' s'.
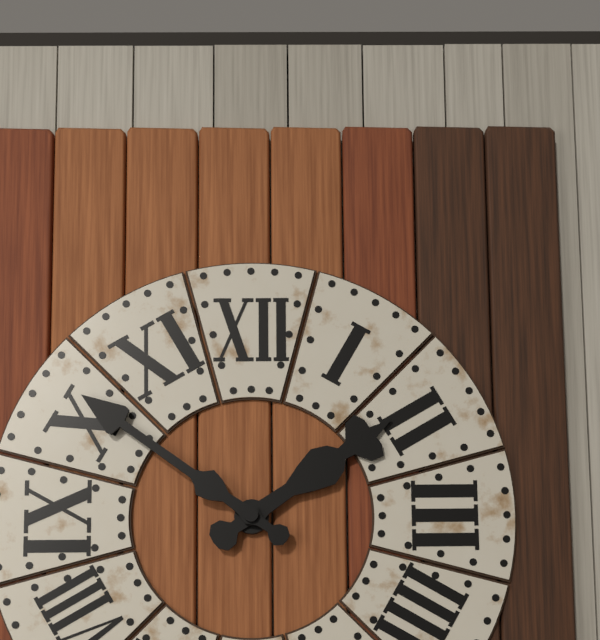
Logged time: 1 h 51 min
